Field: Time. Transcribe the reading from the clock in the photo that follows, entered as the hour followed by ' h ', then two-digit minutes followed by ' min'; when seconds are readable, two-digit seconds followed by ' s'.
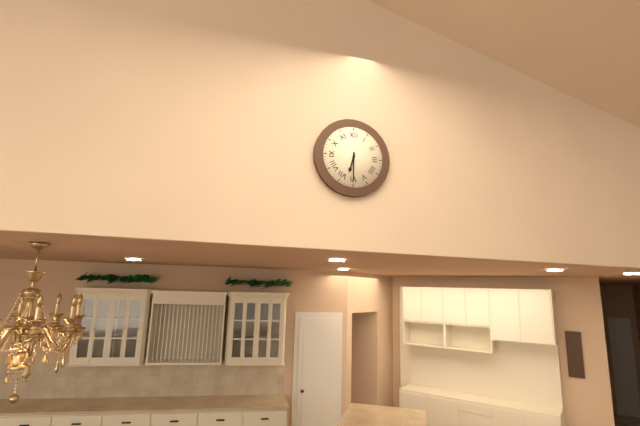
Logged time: 6 h 30 min
